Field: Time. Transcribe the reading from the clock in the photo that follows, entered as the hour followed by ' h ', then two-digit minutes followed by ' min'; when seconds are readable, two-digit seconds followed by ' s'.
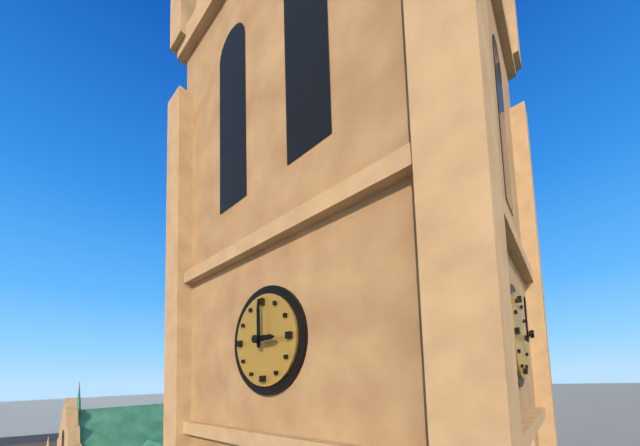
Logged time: 3 h 00 min
